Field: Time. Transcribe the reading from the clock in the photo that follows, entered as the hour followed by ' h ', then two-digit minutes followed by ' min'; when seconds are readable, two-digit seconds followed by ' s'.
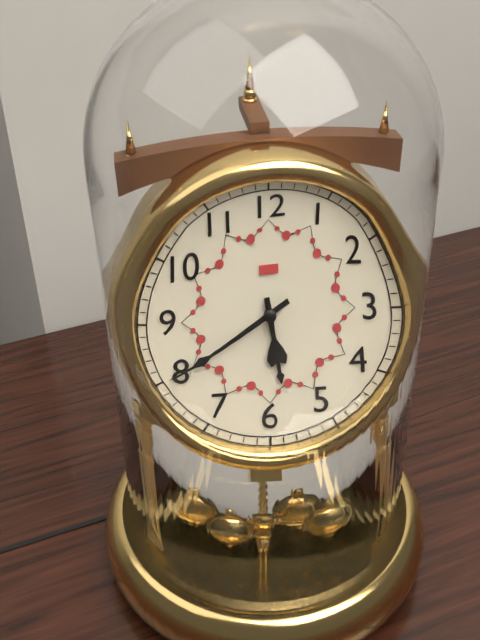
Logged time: 5 h 40 min
